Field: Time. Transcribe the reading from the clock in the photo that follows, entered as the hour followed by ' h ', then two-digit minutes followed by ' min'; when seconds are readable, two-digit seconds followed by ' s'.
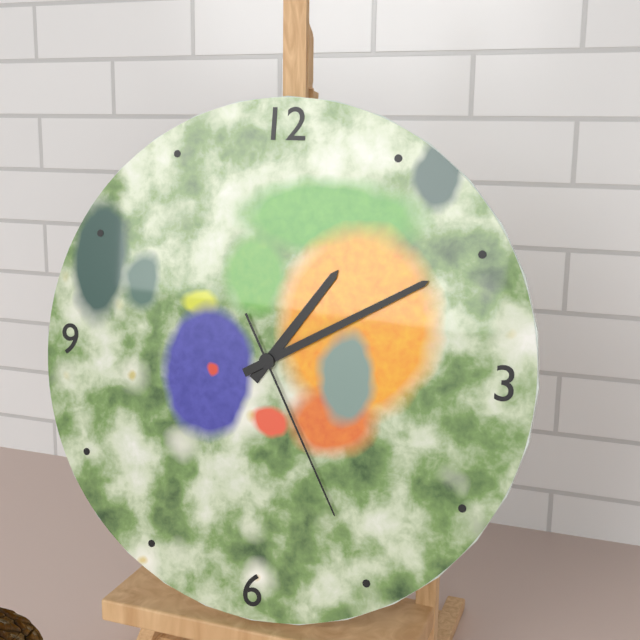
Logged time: 1 h 10 min 25 s
